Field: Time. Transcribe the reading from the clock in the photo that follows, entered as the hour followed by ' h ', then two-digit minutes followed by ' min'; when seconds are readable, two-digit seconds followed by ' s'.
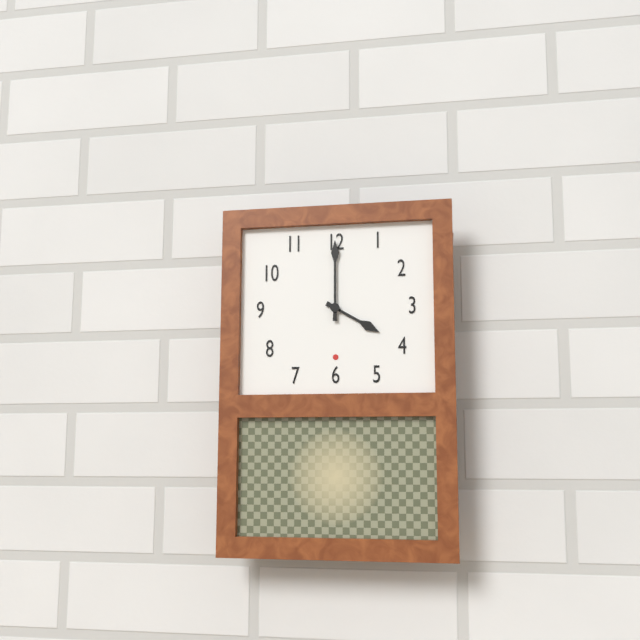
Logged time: 4 h 00 min
